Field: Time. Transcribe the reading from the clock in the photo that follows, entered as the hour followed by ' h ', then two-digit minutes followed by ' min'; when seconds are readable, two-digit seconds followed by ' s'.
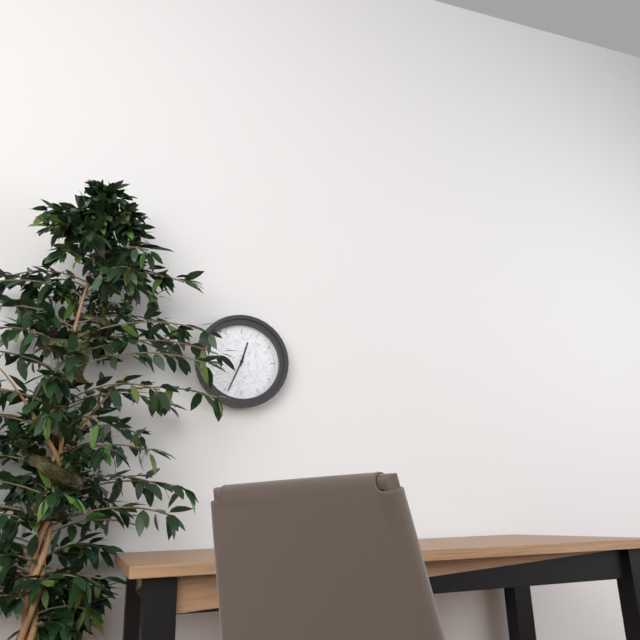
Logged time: 12 h 34 min
